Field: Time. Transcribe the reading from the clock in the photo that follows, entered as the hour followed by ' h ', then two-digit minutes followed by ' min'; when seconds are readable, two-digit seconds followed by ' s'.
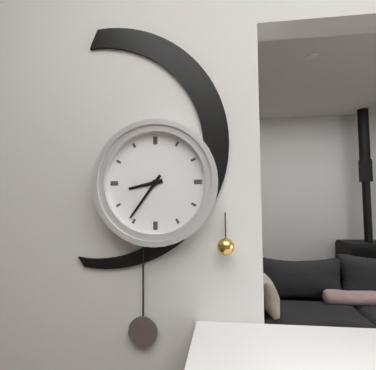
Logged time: 8 h 36 min
